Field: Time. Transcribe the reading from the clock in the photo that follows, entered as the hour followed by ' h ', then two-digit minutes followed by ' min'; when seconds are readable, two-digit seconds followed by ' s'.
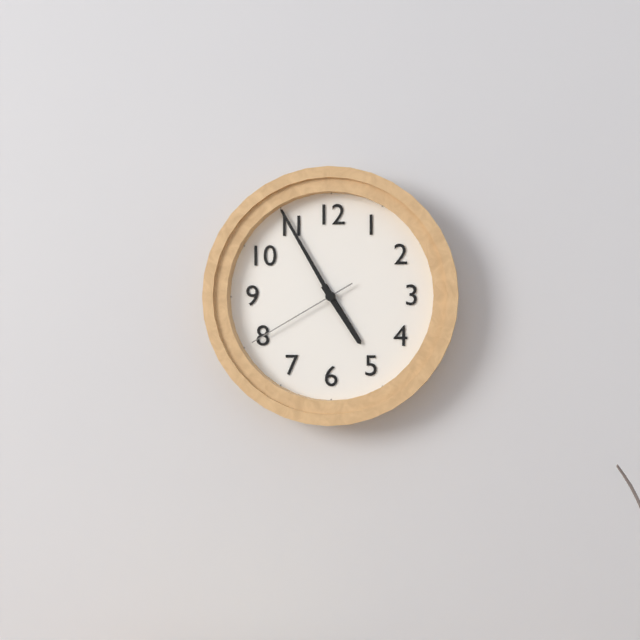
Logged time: 4 h 55 min 40 s
